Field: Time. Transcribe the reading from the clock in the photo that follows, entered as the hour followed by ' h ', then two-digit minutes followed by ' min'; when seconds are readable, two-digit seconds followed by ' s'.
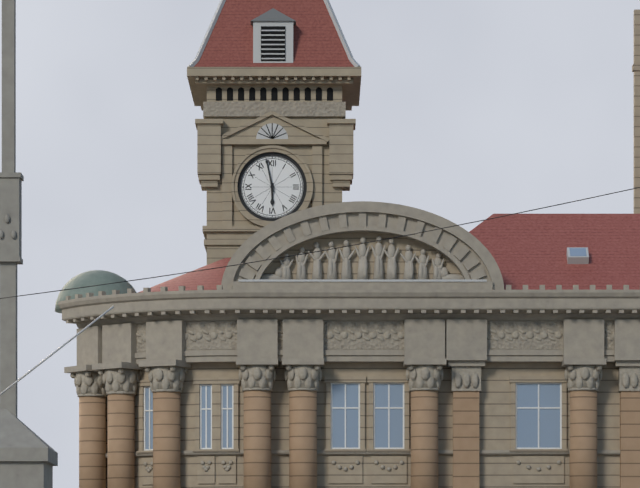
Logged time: 5 h 58 min
